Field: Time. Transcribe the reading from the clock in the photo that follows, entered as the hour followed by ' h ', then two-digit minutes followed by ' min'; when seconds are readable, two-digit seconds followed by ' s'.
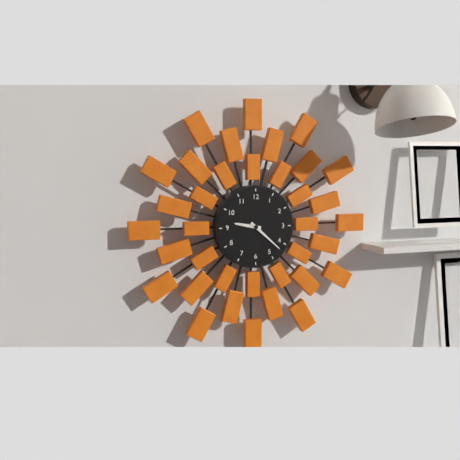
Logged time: 9 h 22 min
